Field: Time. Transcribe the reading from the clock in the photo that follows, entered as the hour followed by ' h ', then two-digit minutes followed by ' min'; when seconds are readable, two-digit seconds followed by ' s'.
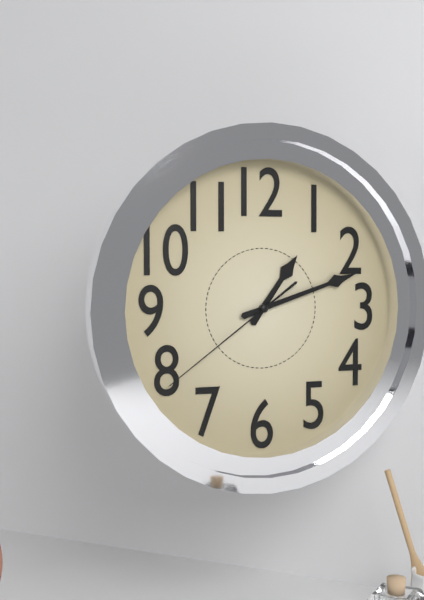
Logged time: 1 h 12 min 39 s
